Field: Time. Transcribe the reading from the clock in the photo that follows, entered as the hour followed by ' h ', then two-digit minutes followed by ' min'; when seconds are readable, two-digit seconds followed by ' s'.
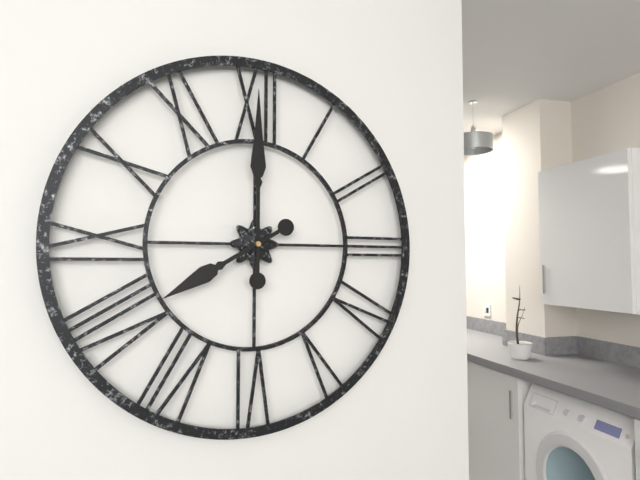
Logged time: 8 h 00 min
